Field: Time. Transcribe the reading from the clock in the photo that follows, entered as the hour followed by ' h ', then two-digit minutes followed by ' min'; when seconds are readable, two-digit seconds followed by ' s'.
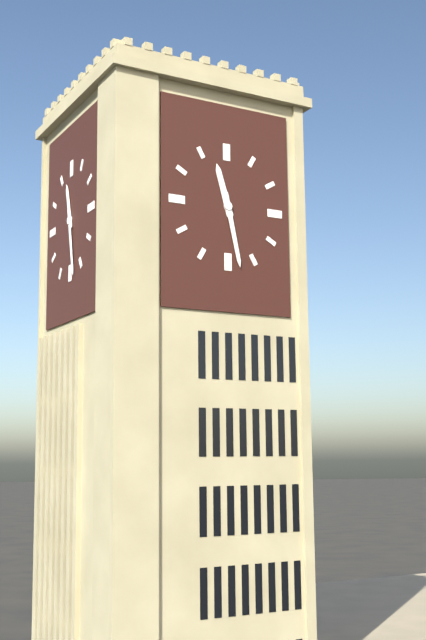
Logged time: 11 h 28 min
